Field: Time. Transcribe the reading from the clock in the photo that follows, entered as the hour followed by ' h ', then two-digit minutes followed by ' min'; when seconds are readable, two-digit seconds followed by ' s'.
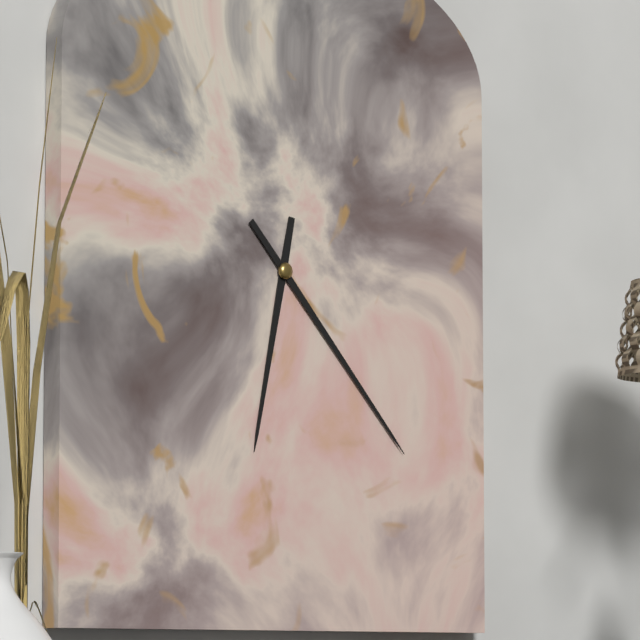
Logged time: 6 h 23 min
